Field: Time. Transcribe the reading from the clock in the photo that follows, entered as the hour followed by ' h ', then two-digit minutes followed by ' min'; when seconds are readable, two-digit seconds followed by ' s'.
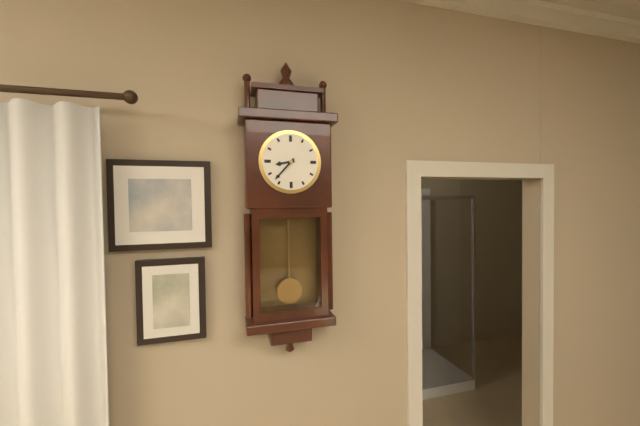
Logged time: 8 h 37 min
